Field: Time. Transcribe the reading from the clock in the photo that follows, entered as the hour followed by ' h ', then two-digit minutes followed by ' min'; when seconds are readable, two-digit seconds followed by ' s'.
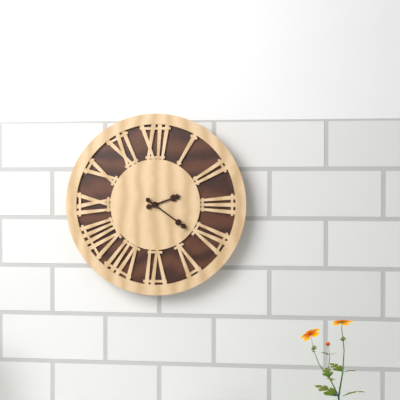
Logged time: 2 h 21 min
